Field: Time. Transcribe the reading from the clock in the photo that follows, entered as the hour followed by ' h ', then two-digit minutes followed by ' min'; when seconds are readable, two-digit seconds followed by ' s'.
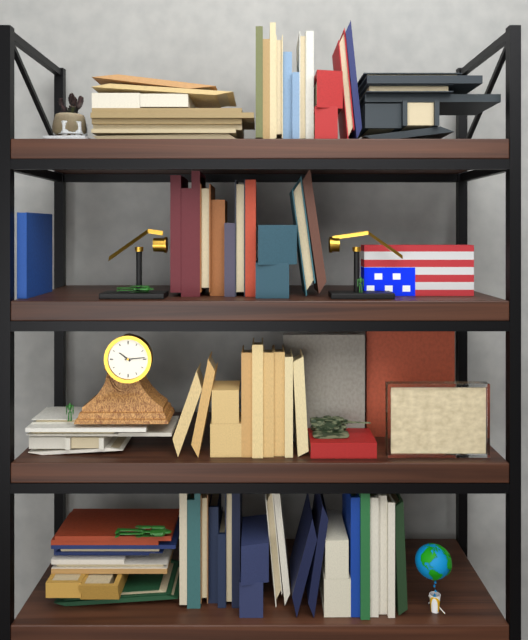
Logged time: 10 h 14 min
